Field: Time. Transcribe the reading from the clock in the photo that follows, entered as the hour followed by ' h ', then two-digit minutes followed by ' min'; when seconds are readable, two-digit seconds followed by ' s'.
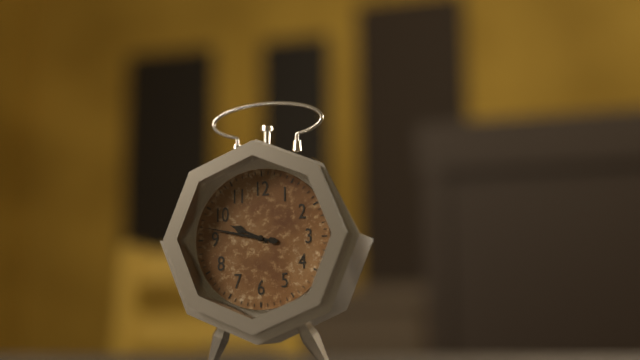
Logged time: 9 h 47 min
